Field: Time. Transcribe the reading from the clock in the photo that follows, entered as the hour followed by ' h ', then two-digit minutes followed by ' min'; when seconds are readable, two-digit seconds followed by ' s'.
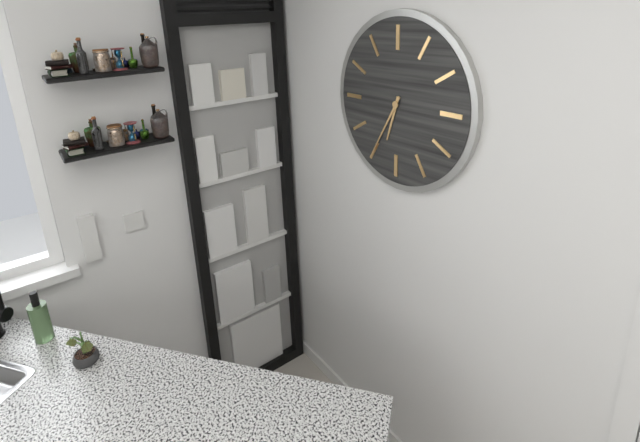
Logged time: 6 h 35 min
